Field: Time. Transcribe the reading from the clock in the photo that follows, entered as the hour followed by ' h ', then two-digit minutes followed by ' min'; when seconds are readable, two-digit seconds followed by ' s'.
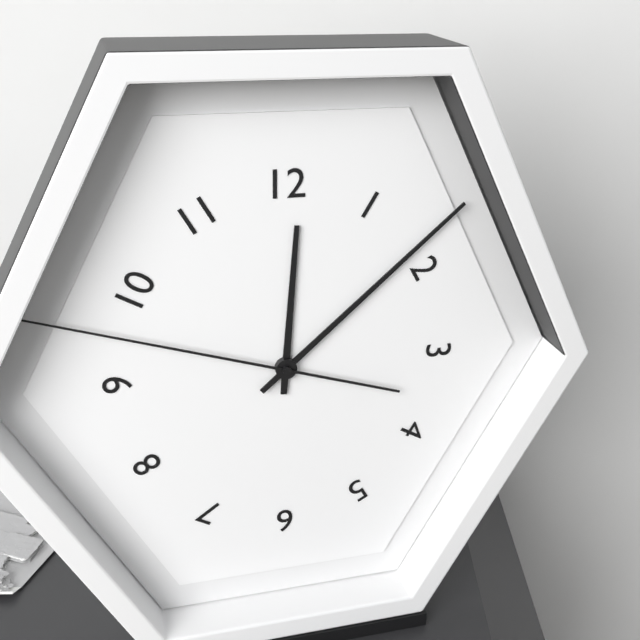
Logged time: 12 h 08 min 48 s
